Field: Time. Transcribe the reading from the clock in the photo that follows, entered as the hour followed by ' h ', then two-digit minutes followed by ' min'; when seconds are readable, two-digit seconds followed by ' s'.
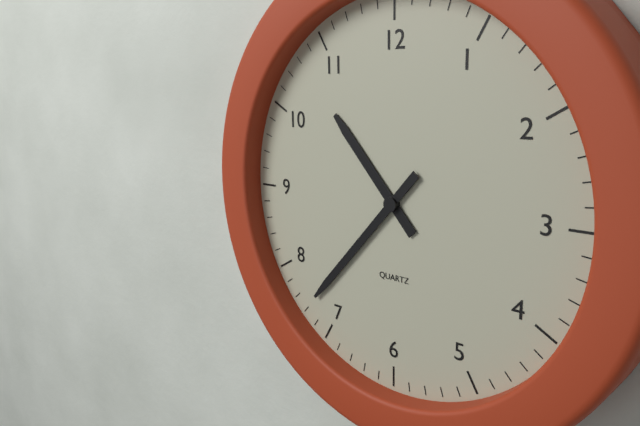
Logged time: 10 h 37 min
